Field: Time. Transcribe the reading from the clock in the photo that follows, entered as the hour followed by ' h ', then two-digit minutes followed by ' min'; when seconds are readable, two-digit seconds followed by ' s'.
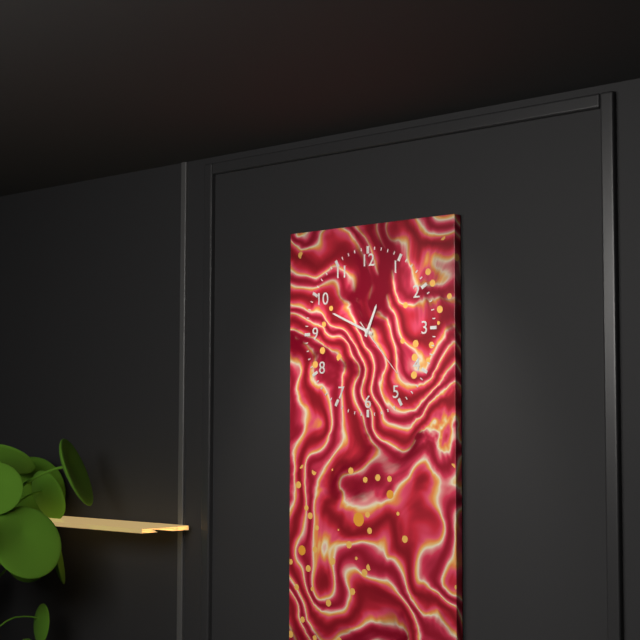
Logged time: 12 h 49 min 23 s
